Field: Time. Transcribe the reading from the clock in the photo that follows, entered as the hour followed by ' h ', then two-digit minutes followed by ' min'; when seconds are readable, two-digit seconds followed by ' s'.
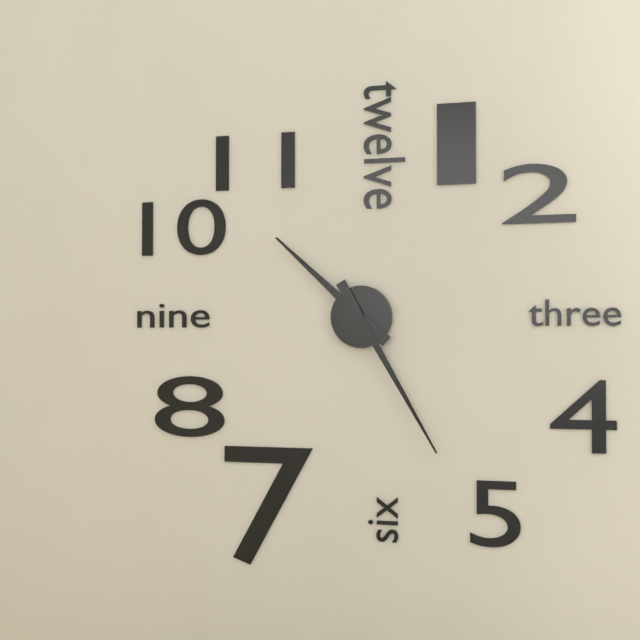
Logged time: 10 h 25 min
